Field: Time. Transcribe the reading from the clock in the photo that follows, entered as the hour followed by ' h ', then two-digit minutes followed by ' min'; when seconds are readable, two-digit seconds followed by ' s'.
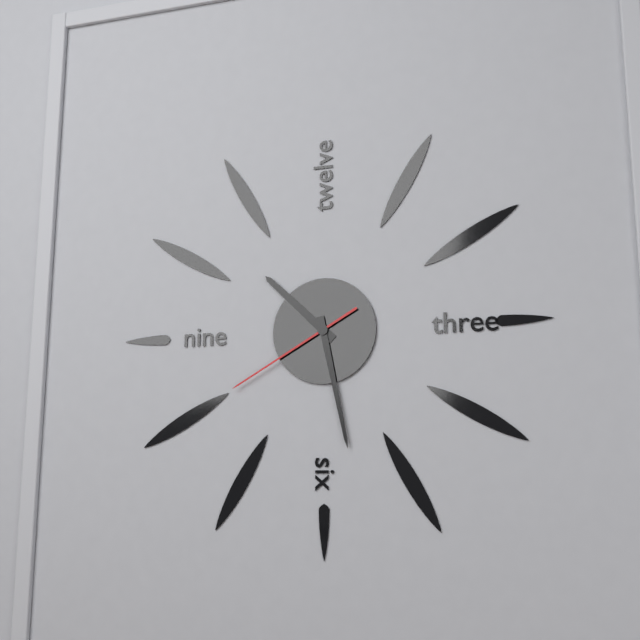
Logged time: 10 h 28 min 40 s
